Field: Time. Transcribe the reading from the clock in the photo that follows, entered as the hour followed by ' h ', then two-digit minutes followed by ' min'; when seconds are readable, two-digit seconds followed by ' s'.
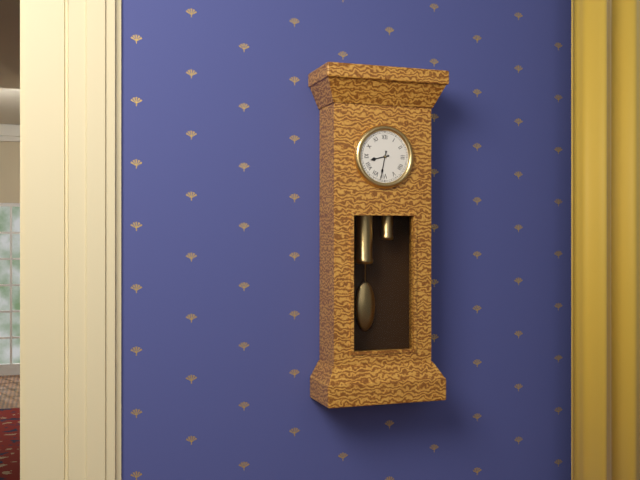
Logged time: 8 h 32 min
